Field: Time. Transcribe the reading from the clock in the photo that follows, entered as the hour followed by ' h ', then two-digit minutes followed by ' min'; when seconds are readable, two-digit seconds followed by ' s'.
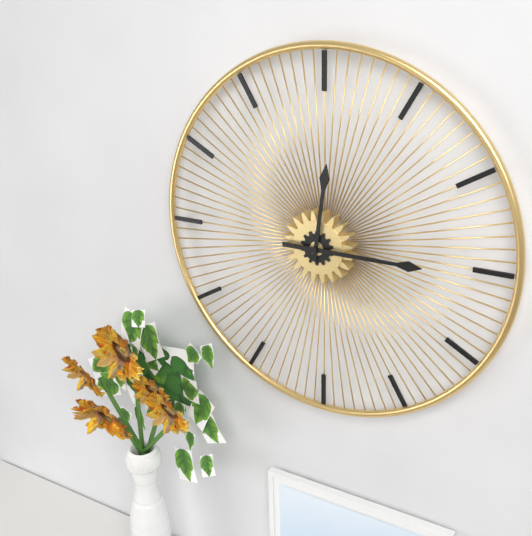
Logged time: 12 h 15 min
